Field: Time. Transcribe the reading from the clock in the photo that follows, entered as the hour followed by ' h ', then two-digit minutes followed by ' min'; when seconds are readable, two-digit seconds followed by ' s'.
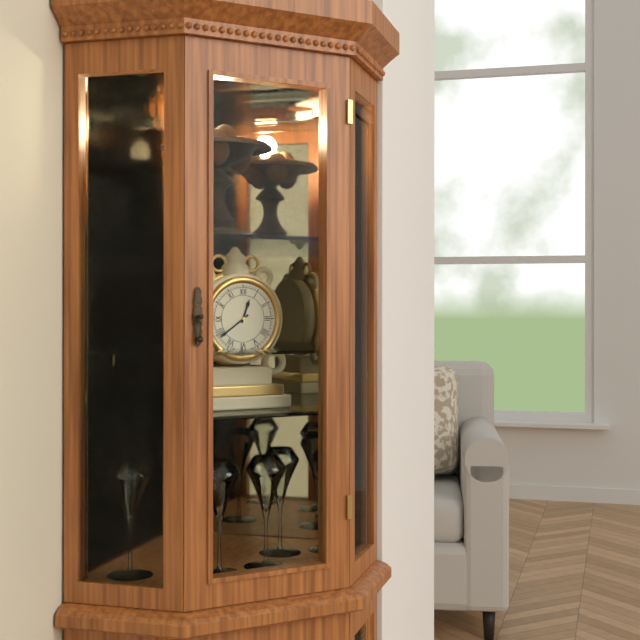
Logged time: 12 h 39 min
